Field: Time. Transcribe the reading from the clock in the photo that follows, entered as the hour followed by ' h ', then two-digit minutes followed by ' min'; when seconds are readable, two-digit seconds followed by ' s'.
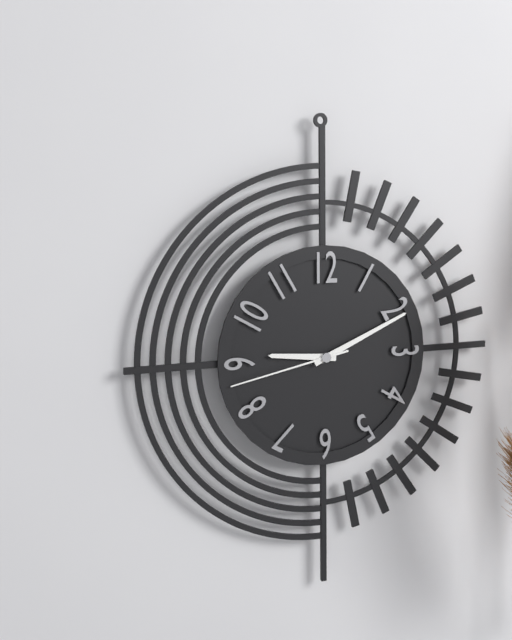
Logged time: 9 h 11 min 43 s
